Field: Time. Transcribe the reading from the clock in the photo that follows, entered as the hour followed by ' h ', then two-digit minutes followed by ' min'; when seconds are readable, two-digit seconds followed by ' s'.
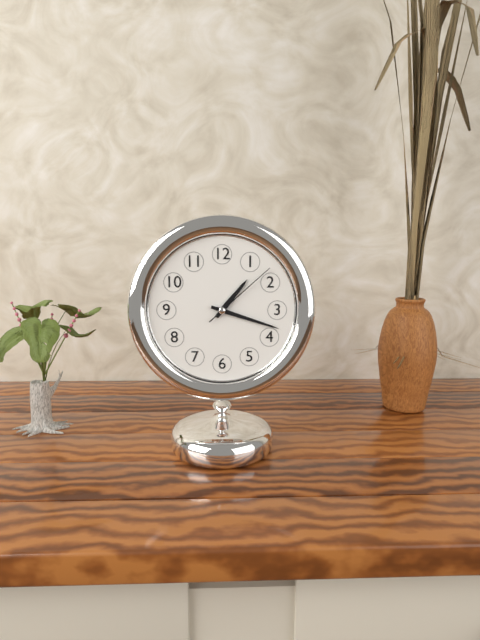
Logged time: 1 h 18 min 08 s
